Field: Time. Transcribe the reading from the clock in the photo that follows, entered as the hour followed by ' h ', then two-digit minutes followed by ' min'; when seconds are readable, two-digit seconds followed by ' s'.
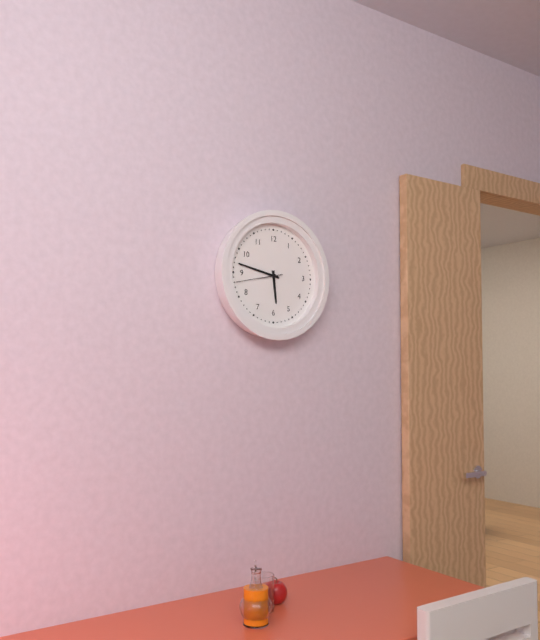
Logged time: 5 h 47 min
